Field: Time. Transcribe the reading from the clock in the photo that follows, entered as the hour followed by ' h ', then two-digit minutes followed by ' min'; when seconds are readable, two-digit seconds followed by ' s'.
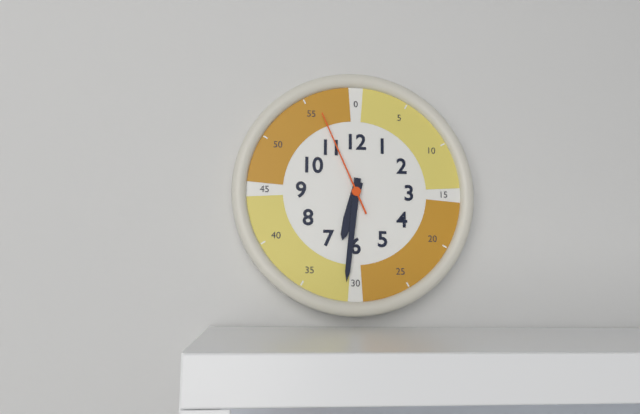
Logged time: 6 h 31 min 56 s
